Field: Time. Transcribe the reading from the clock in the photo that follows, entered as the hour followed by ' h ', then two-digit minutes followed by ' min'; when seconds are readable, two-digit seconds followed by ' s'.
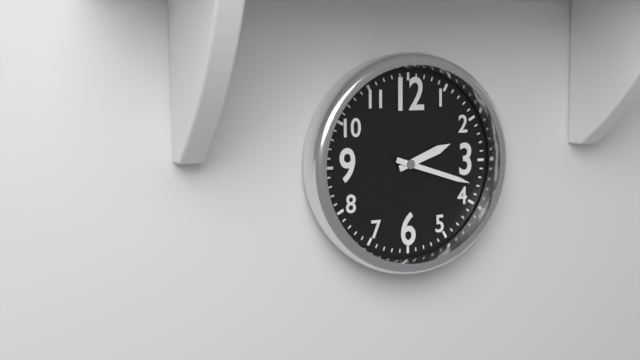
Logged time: 2 h 18 min
